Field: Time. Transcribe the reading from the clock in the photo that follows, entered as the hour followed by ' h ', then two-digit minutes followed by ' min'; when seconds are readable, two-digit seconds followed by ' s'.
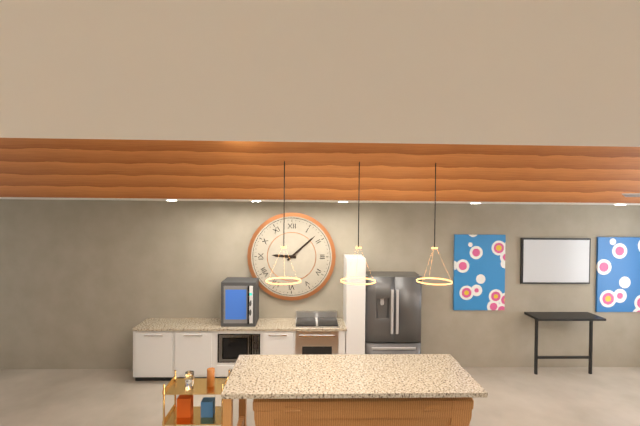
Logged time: 9 h 08 min
